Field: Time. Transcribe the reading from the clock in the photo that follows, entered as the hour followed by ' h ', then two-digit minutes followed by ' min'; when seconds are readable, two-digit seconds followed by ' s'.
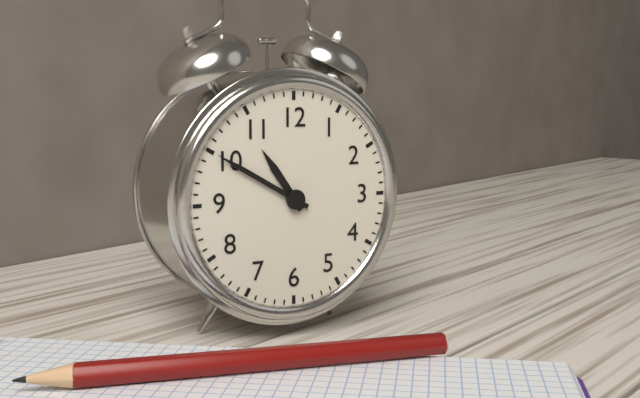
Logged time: 10 h 50 min
